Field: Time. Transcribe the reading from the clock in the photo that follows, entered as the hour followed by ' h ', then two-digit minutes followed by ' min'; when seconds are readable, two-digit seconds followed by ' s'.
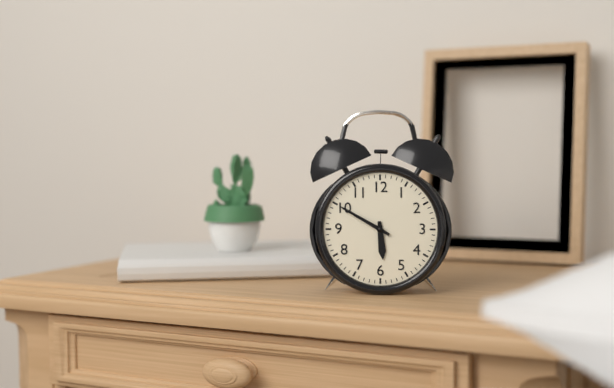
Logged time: 5 h 50 min
